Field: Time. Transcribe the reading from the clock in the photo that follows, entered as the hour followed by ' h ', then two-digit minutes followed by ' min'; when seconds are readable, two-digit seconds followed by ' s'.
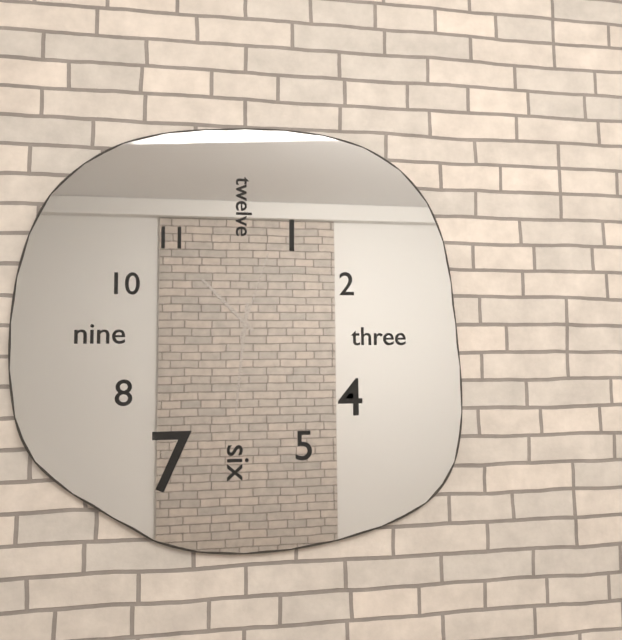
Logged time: 10 h 31 min 03 s
